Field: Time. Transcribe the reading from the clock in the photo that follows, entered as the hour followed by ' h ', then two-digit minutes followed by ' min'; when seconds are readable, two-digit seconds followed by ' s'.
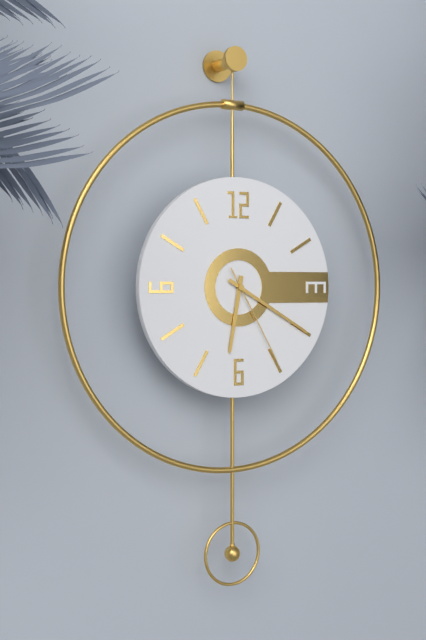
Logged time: 6 h 20 min 25 s
